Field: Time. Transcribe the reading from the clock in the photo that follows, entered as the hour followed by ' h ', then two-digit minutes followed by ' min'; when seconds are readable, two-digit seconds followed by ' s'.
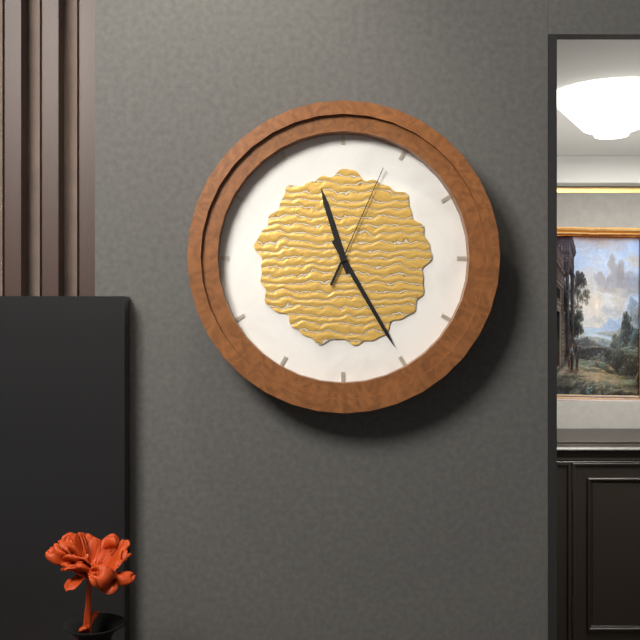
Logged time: 11 h 25 min 04 s
